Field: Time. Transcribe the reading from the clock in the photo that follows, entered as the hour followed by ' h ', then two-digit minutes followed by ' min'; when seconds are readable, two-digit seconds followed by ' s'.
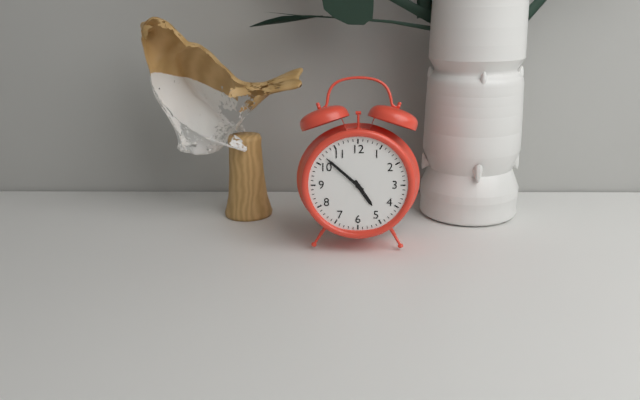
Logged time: 4 h 52 min
